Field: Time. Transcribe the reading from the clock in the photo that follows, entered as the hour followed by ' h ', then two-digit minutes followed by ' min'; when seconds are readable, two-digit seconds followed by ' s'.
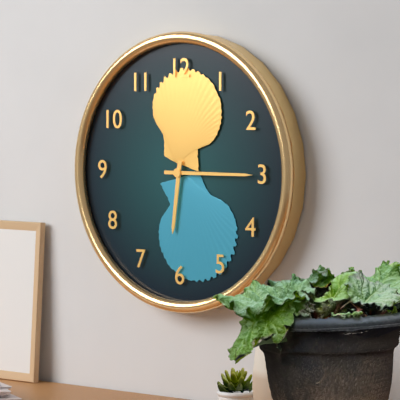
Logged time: 6 h 15 min
